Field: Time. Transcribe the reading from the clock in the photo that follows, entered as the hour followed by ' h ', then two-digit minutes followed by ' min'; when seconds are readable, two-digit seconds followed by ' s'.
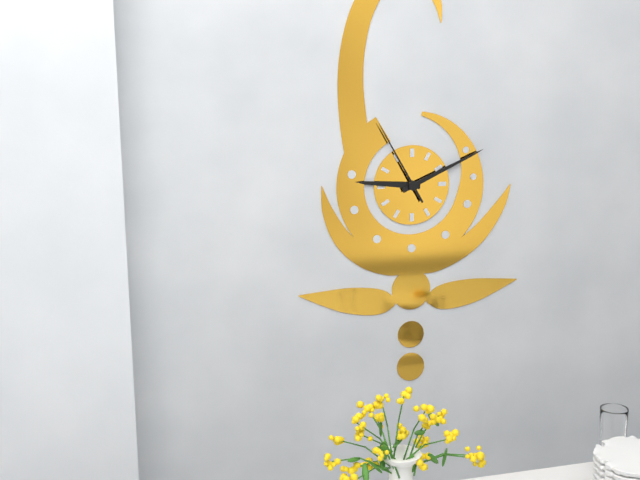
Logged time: 9 h 11 min 55 s
